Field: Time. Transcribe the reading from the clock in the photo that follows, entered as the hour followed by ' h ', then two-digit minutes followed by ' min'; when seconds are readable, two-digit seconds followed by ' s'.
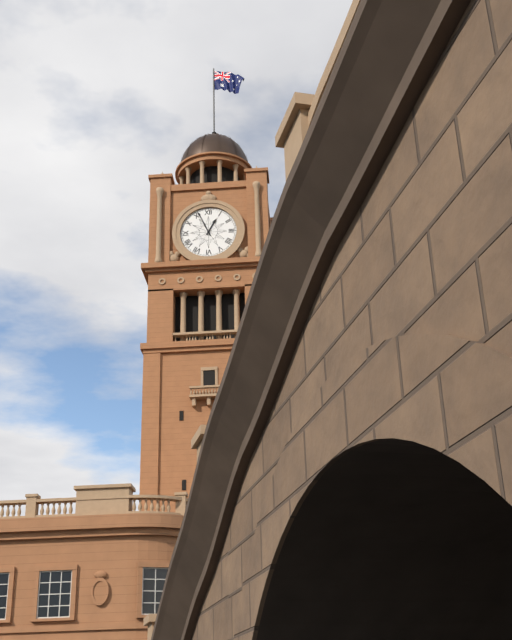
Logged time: 12 h 56 min
